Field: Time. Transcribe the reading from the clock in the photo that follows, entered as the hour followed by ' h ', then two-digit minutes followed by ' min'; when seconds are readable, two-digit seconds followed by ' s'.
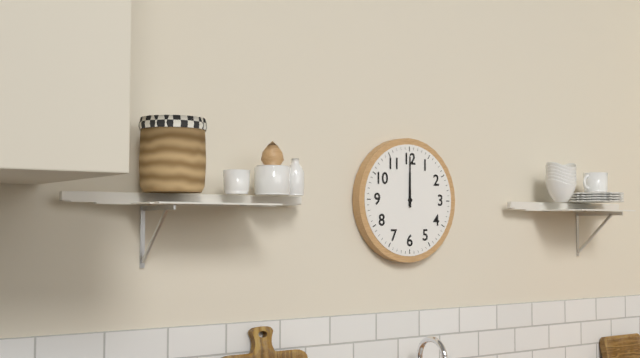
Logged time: 12 h 00 min
